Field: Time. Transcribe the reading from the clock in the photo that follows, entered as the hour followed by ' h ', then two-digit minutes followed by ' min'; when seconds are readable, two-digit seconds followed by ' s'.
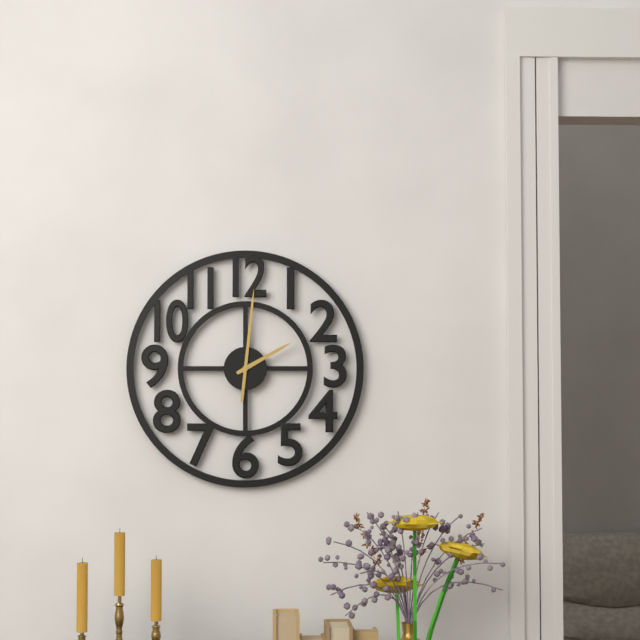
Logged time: 2 h 01 min
